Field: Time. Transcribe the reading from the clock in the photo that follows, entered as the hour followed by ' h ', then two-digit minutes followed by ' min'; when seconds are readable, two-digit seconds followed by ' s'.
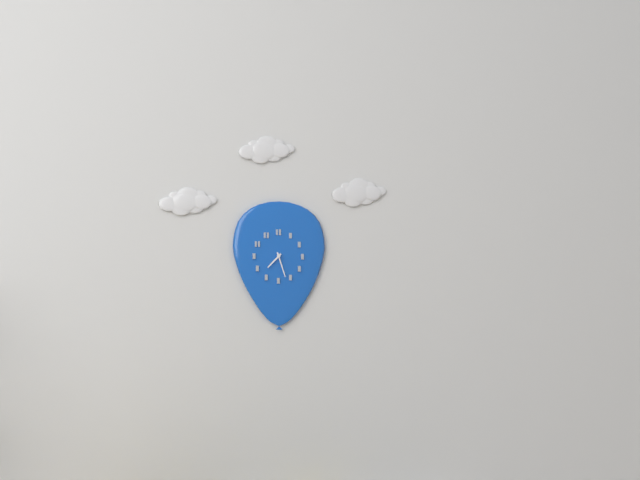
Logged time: 7 h 27 min
